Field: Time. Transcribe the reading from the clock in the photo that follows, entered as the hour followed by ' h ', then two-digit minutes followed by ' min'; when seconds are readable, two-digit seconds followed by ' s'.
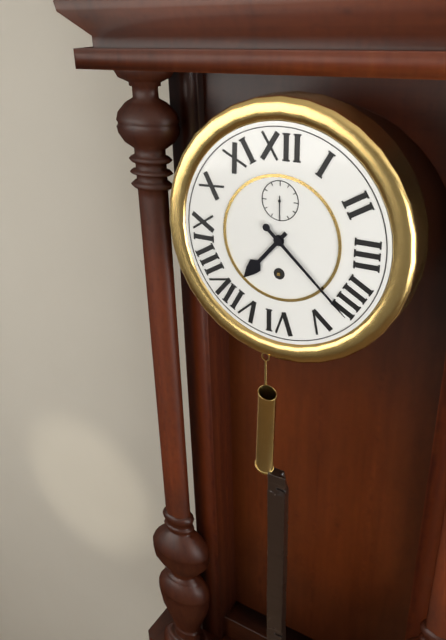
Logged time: 7 h 22 min
